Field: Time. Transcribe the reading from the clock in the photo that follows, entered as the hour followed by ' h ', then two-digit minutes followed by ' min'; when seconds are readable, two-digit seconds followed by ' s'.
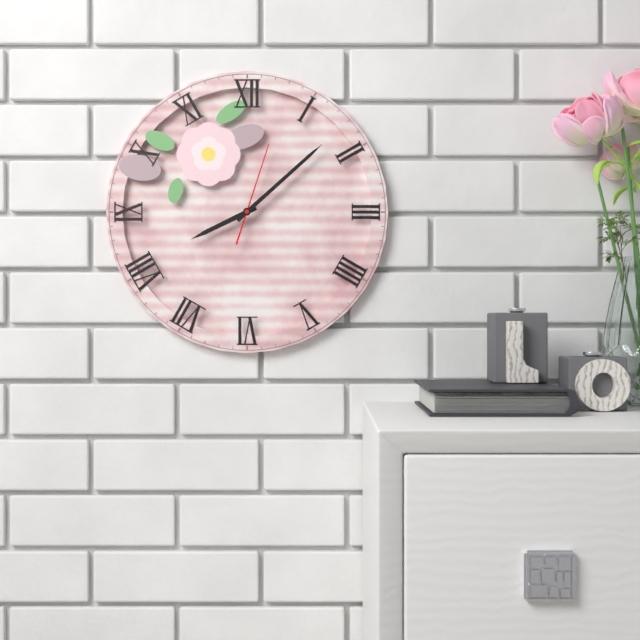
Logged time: 8 h 08 min 03 s
